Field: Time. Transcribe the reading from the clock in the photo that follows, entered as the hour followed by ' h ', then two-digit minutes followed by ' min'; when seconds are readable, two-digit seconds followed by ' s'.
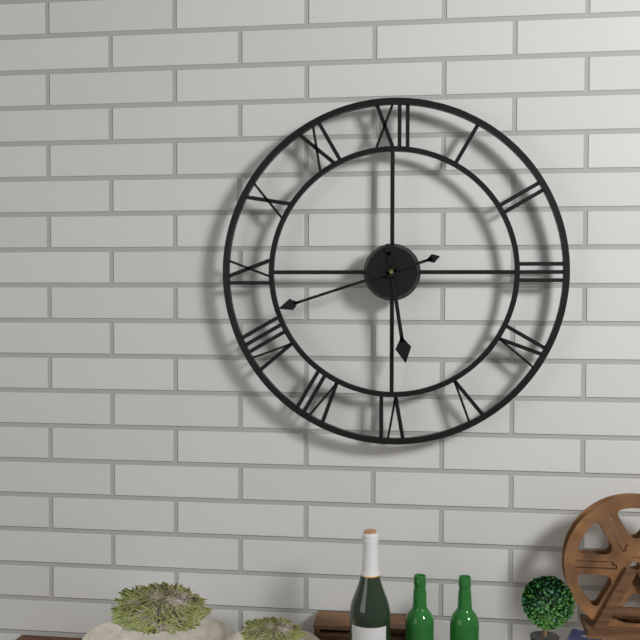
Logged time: 5 h 42 min
